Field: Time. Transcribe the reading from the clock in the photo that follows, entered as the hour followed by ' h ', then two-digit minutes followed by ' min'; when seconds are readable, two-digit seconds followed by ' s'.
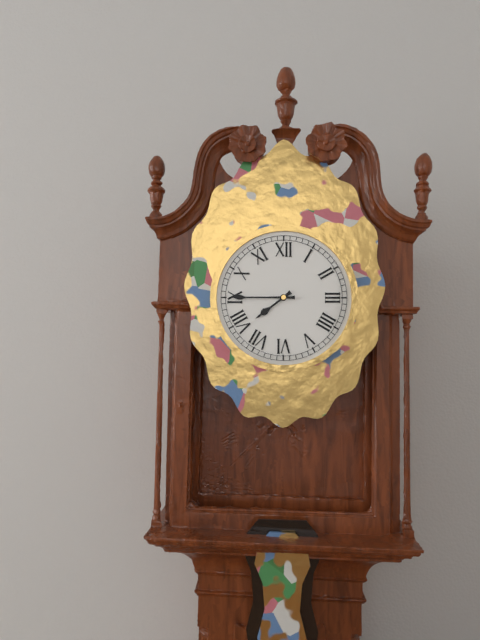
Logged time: 7 h 45 min
